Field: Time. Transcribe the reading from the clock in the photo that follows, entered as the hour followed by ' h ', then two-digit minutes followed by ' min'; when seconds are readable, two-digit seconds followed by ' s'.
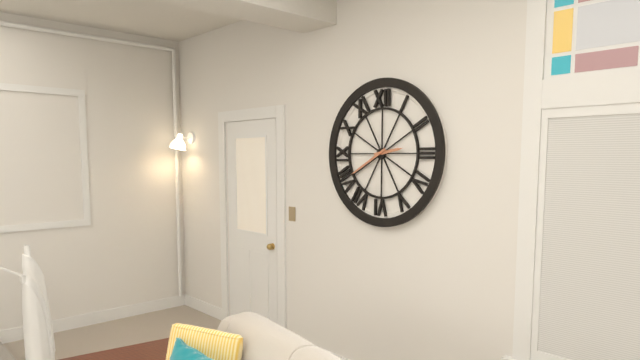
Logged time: 2 h 40 min
